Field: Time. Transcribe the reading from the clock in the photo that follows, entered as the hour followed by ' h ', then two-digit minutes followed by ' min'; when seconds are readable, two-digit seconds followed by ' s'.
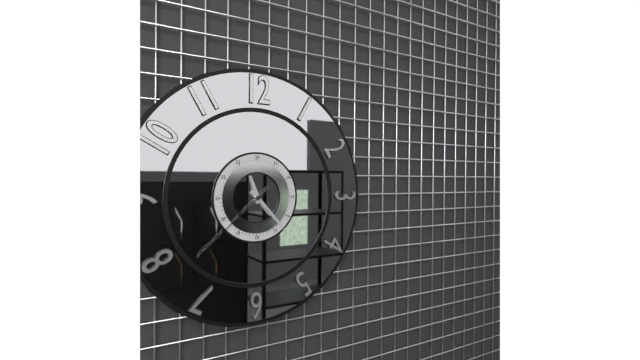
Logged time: 11 h 23 min 38 s
